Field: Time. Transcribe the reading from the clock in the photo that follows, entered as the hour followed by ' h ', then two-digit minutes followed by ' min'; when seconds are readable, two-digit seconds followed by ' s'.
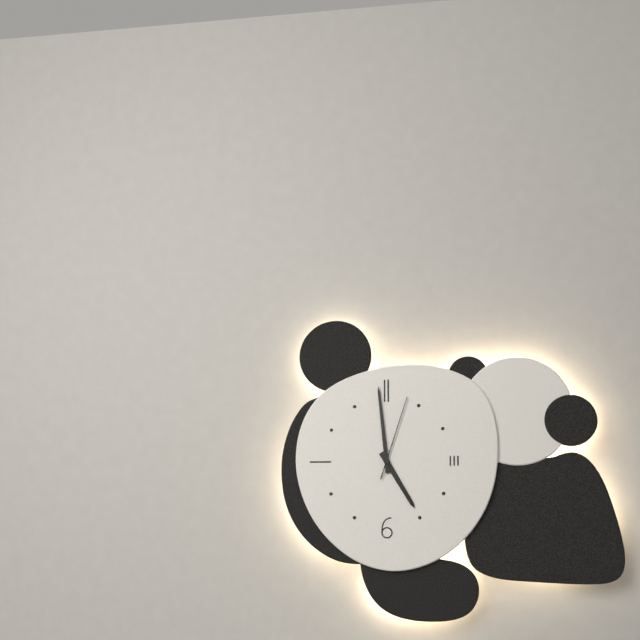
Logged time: 4 h 59 min 03 s
